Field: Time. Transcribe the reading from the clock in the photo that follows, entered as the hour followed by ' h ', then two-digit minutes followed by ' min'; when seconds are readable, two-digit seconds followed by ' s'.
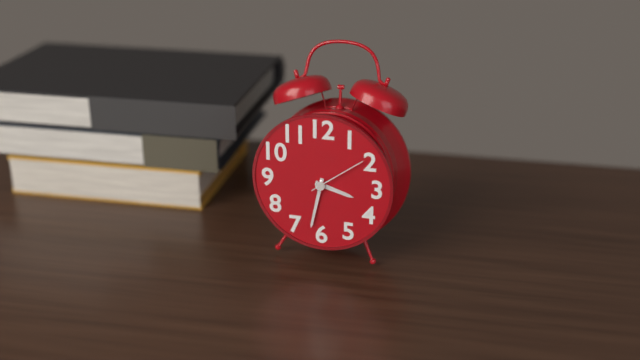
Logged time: 3 h 32 min 09 s
